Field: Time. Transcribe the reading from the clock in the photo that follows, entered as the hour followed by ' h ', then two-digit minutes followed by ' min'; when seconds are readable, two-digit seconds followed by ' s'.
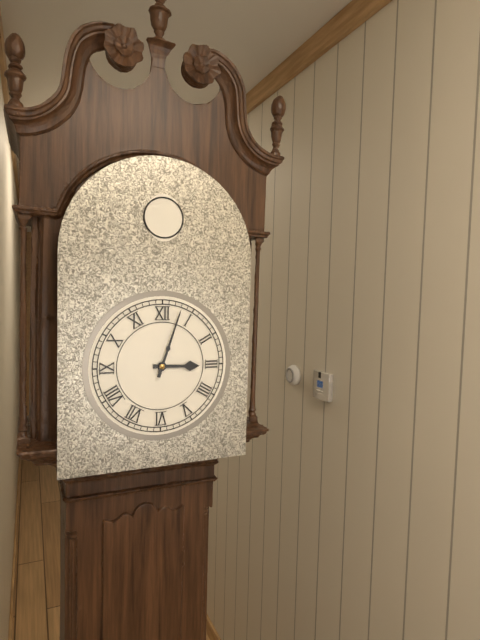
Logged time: 3 h 03 min
